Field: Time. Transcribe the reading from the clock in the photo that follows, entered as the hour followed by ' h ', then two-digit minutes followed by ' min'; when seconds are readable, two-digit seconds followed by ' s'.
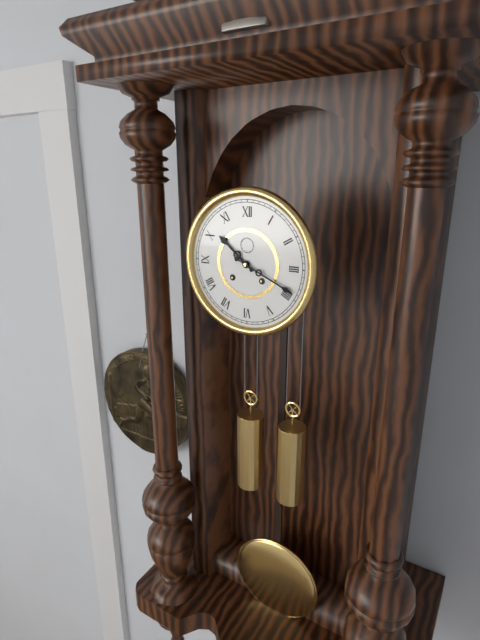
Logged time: 10 h 19 min
